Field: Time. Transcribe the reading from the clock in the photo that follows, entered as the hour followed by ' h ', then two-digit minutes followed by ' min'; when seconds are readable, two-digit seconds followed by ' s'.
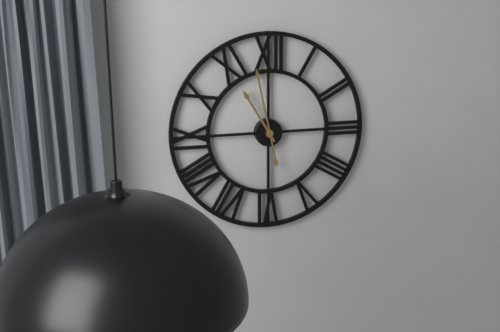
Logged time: 10 h 58 min
